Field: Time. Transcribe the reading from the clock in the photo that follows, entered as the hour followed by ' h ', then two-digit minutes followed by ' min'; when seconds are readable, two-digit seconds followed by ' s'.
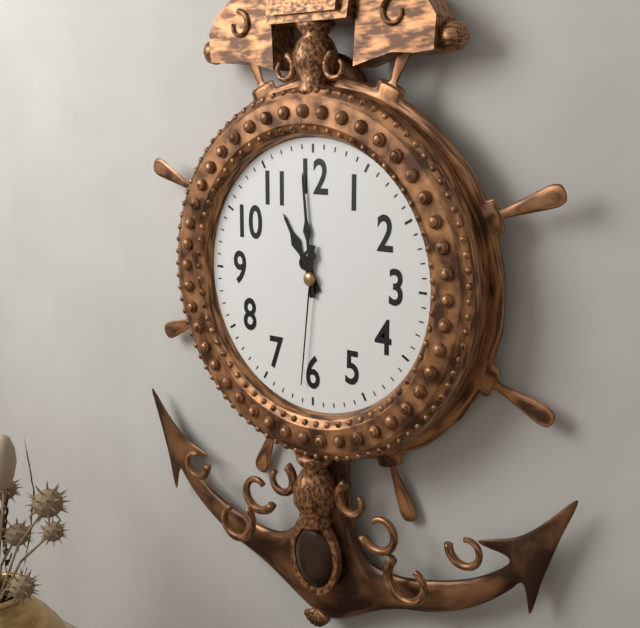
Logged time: 10 h 59 min 31 s
